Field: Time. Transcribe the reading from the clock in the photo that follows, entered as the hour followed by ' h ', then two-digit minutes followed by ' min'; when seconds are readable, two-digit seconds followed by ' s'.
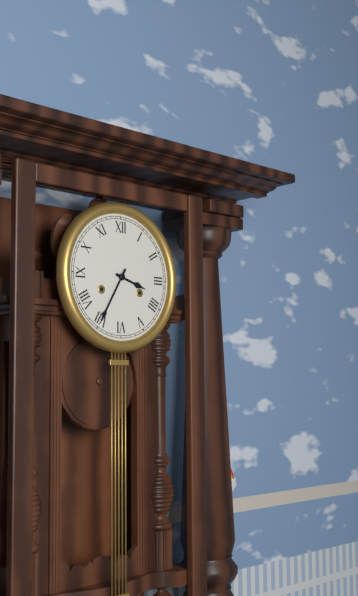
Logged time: 3 h 35 min
